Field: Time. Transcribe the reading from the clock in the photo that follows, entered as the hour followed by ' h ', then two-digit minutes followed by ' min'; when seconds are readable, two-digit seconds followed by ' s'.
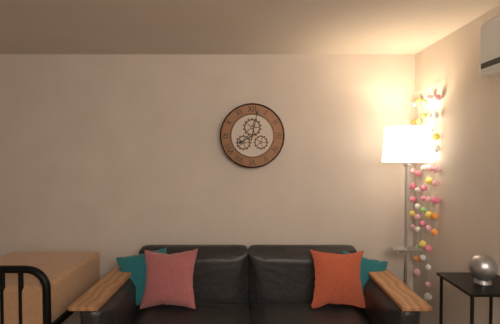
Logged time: 8 h 02 min
